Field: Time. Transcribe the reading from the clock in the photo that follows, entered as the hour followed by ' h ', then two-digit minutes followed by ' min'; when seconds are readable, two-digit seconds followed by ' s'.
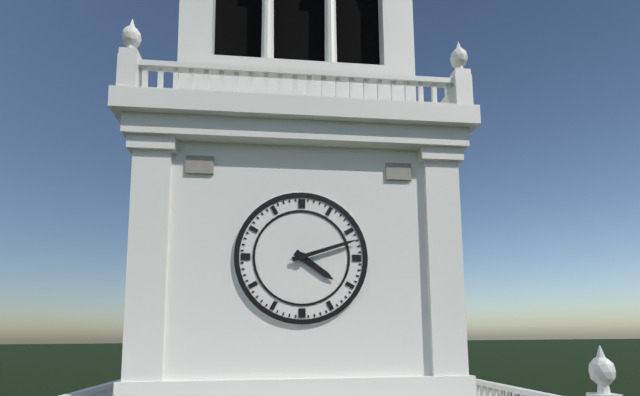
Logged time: 4 h 12 min
